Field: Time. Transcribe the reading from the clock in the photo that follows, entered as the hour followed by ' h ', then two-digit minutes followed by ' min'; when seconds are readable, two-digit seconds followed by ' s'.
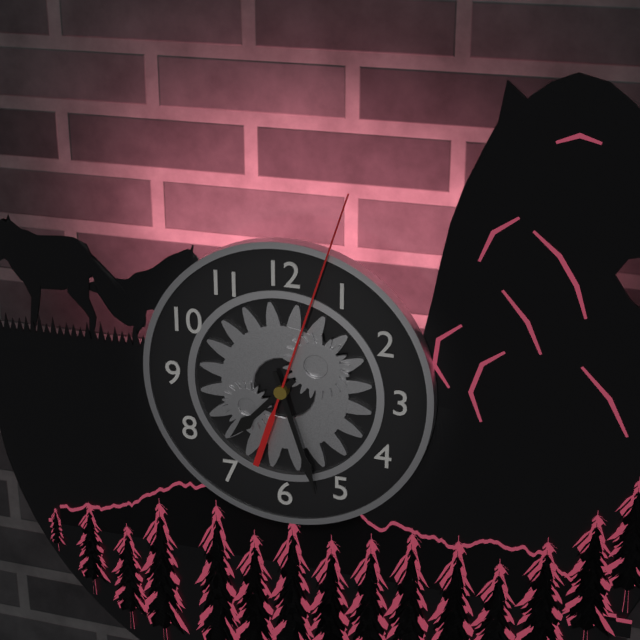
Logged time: 7 h 27 min 03 s
